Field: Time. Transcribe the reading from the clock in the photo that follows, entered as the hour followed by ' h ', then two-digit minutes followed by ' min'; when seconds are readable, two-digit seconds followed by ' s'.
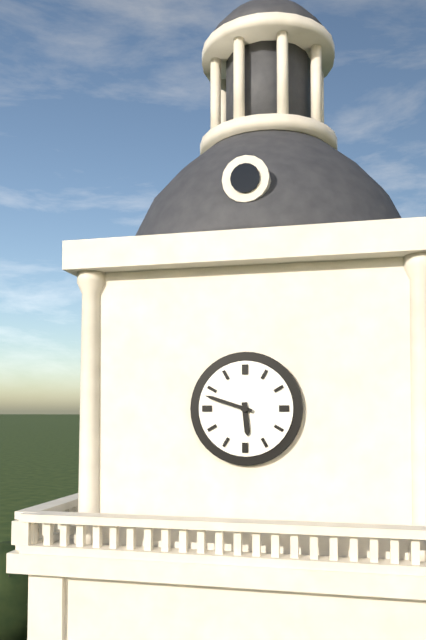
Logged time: 5 h 48 min
